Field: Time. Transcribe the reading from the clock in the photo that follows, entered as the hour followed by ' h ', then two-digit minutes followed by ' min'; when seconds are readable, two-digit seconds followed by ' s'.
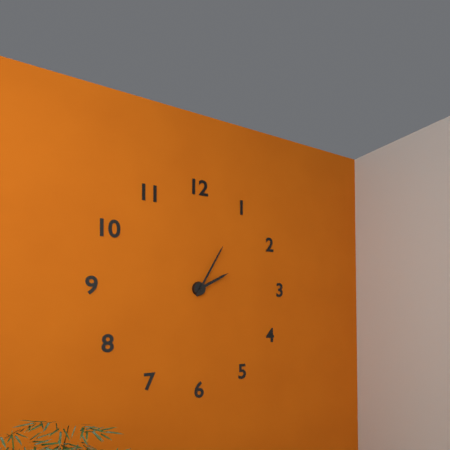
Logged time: 2 h 05 min
